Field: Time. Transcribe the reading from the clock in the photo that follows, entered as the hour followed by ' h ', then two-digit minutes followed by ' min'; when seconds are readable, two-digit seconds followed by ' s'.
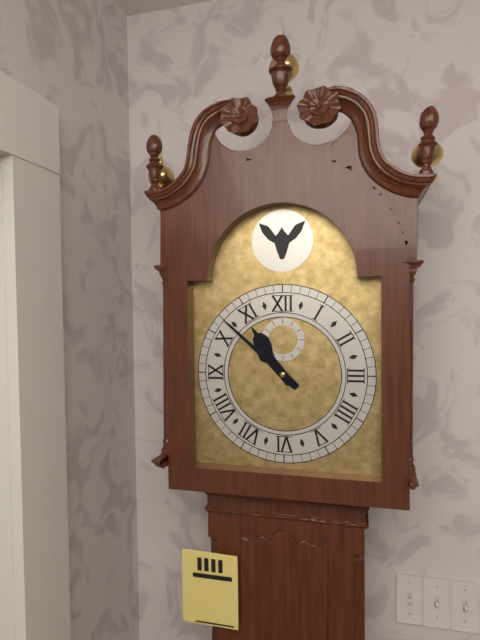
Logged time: 10 h 52 min
